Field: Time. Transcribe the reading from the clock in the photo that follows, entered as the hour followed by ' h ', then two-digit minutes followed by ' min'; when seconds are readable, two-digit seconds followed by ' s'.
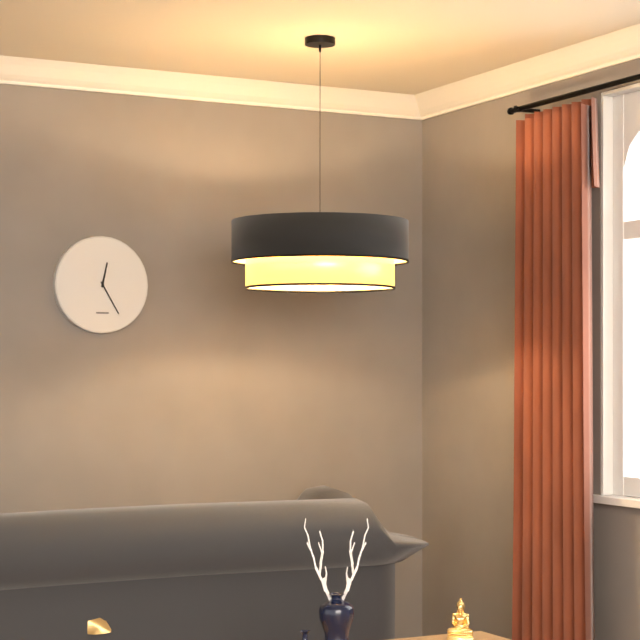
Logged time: 12 h 25 min
